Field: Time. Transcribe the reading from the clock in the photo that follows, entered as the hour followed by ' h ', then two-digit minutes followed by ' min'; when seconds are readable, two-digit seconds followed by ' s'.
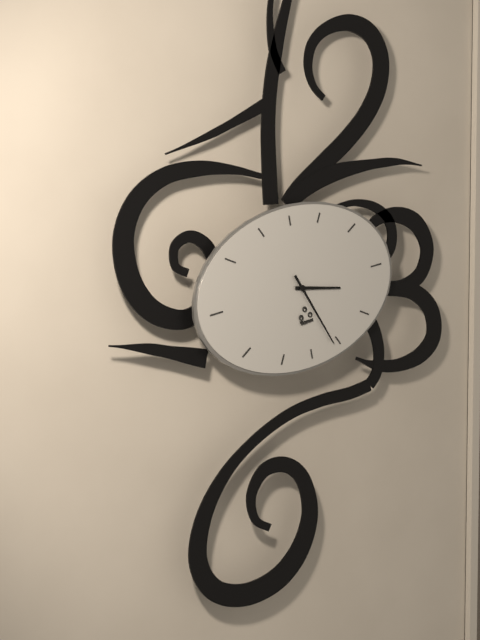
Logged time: 3 h 26 min
